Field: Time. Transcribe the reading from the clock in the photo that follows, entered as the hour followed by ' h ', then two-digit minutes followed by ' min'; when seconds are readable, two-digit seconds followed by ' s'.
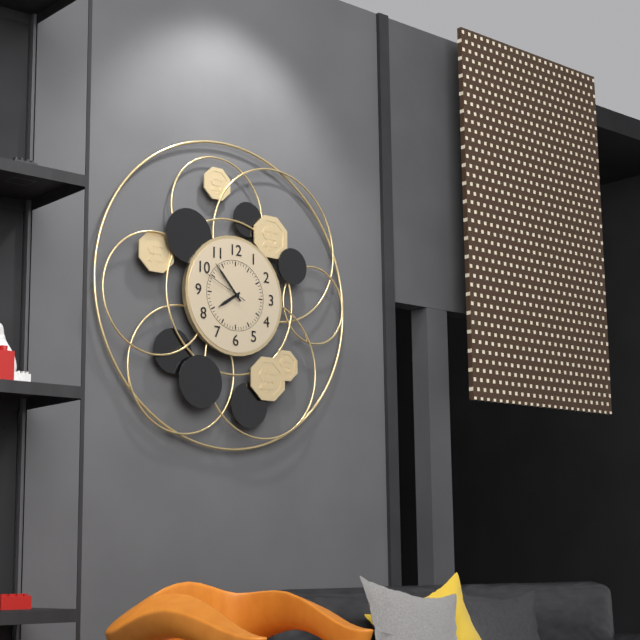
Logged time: 7 h 53 min
